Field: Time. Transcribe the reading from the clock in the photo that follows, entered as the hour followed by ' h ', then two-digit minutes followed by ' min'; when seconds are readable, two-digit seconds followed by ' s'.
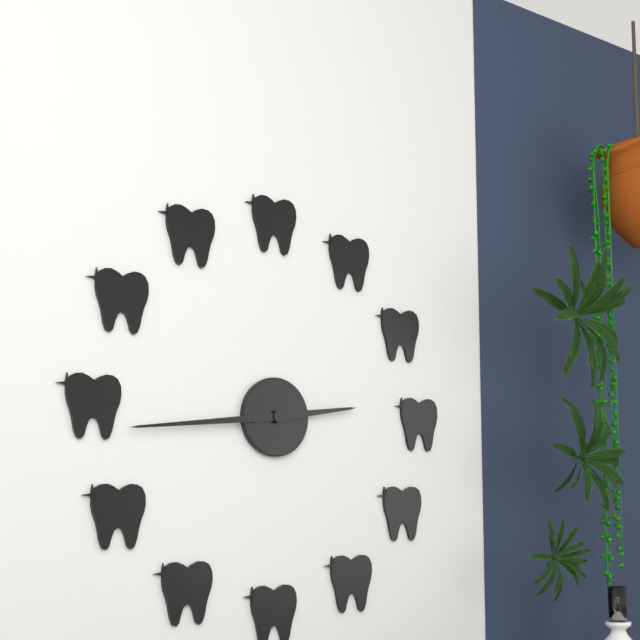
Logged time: 2 h 44 min
